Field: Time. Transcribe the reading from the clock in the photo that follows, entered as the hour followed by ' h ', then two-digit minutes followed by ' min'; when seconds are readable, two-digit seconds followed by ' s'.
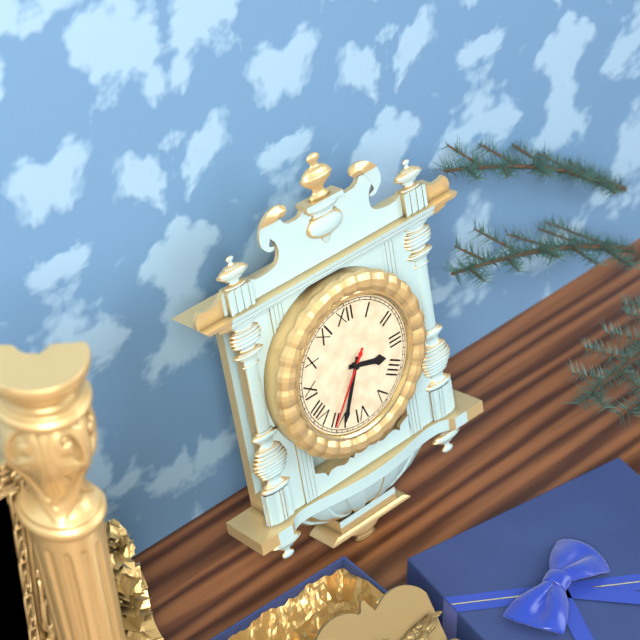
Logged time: 3 h 34 min 36 s
